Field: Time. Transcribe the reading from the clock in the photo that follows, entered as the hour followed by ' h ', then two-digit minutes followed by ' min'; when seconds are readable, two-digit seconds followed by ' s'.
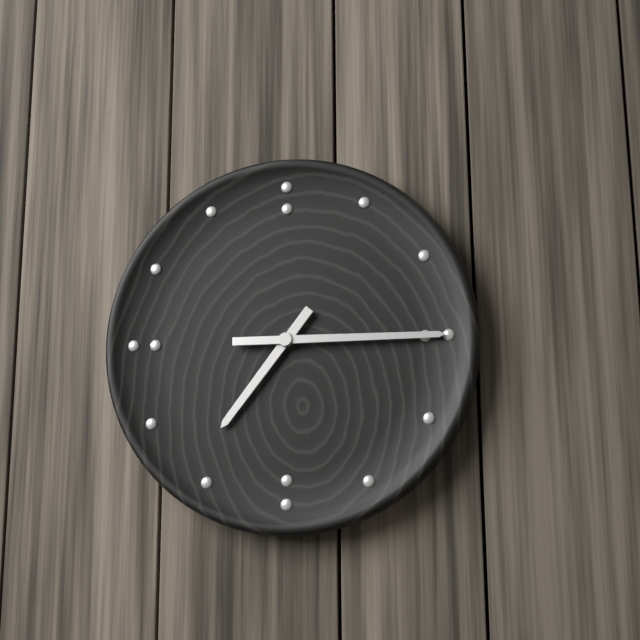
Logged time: 7 h 15 min
